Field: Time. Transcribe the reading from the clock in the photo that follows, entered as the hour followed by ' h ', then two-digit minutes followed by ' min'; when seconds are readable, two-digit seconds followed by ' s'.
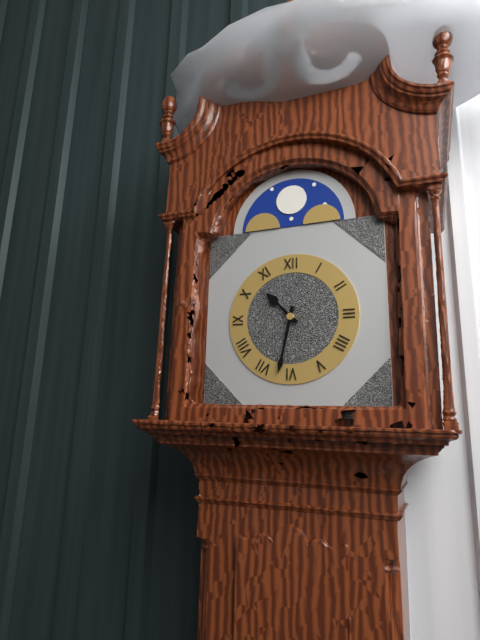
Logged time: 10 h 32 min
